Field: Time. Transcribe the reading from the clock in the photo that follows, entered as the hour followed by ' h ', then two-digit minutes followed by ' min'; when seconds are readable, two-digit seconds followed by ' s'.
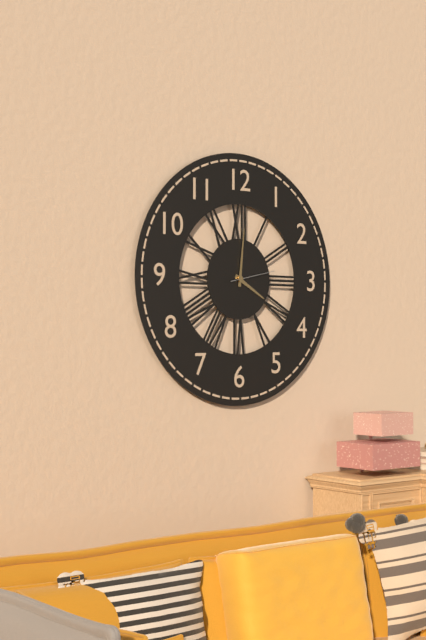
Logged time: 4 h 01 min
